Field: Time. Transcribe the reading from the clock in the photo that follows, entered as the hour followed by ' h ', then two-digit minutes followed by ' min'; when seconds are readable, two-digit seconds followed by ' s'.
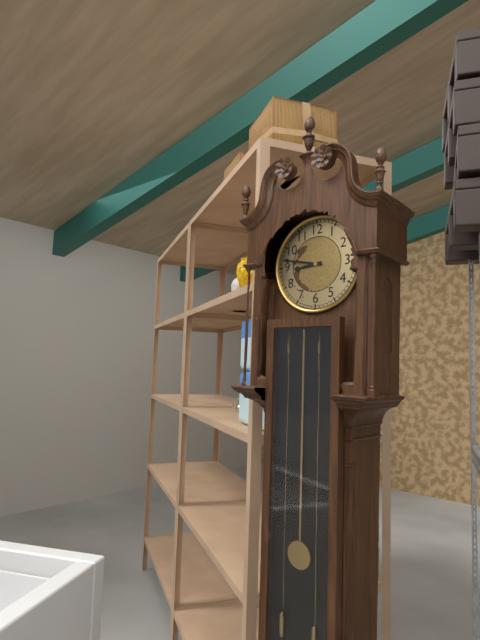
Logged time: 8 h 47 min
